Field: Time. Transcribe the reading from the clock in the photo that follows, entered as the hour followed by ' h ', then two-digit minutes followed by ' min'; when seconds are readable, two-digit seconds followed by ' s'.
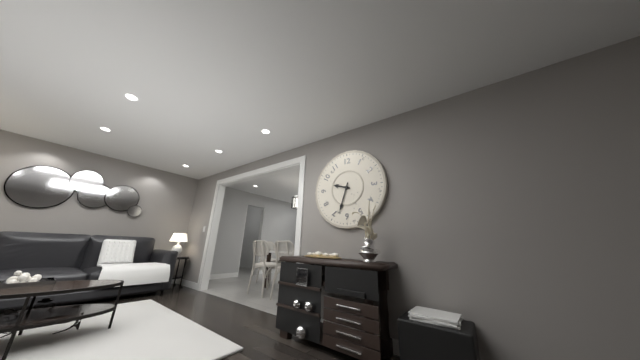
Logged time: 9 h 33 min
